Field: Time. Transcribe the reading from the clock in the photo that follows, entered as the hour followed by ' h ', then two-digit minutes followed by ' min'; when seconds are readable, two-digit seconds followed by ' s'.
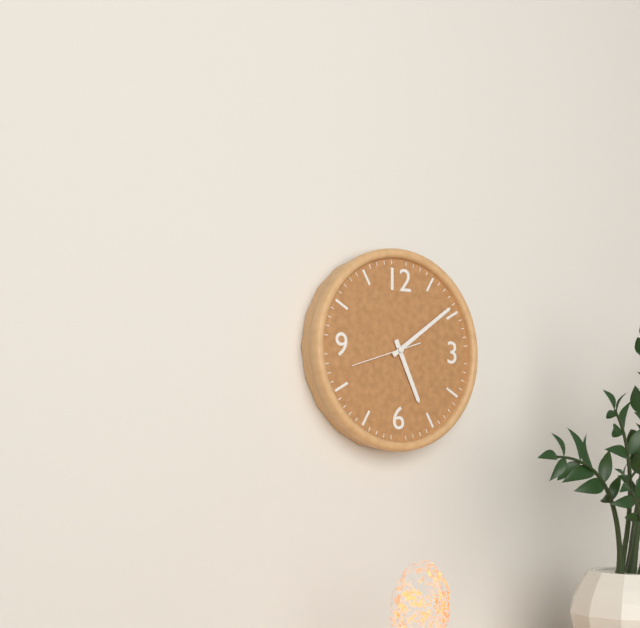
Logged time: 5 h 09 min
